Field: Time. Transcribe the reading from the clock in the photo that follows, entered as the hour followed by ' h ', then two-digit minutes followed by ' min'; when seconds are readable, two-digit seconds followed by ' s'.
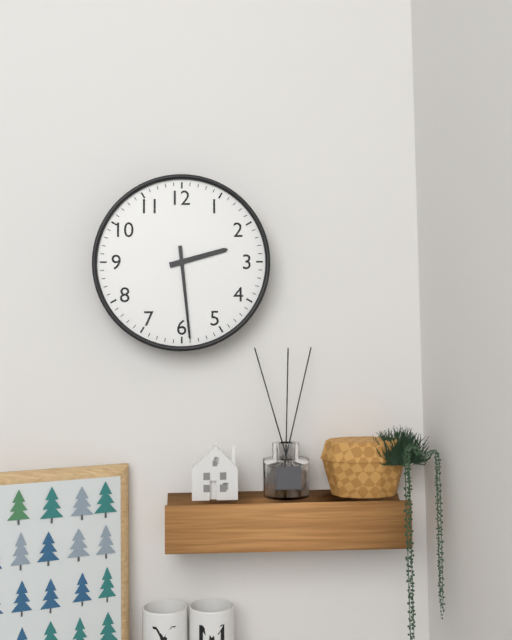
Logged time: 2 h 29 min
